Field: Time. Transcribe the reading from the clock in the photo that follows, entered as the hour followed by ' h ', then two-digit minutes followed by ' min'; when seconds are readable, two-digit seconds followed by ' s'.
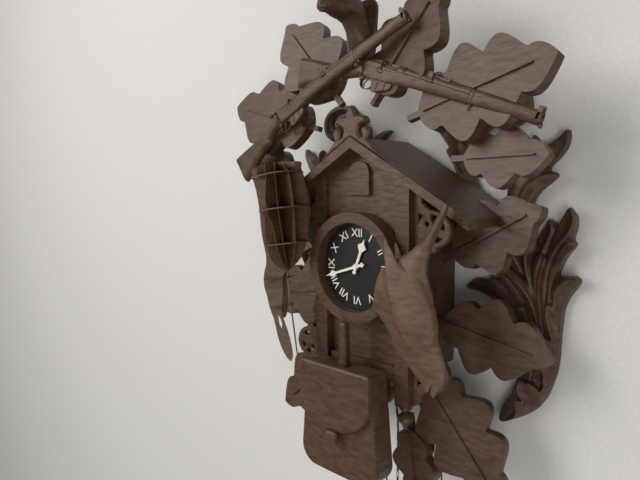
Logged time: 12 h 42 min
